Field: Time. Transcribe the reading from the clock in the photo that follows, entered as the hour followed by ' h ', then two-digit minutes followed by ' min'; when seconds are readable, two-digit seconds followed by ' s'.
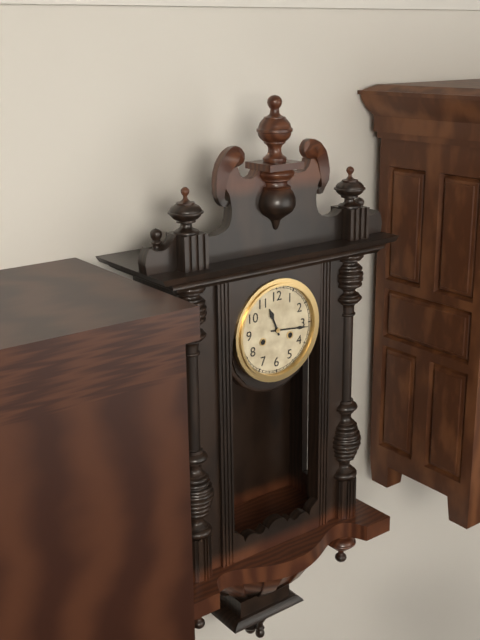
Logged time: 11 h 16 min
